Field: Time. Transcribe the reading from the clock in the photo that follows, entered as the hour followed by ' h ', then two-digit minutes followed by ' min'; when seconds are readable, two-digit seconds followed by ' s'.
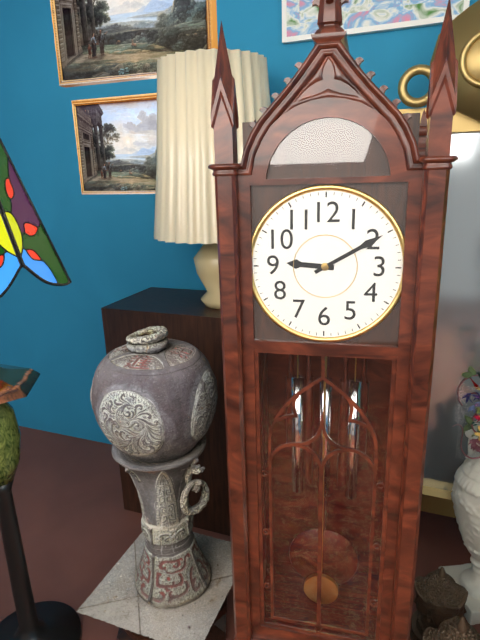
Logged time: 9 h 10 min
